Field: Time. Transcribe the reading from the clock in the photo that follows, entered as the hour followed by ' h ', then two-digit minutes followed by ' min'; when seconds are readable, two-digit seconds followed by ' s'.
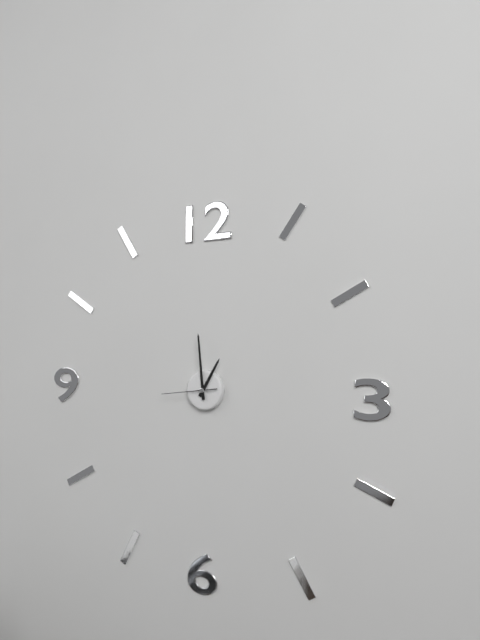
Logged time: 12 h 59 min 44 s
